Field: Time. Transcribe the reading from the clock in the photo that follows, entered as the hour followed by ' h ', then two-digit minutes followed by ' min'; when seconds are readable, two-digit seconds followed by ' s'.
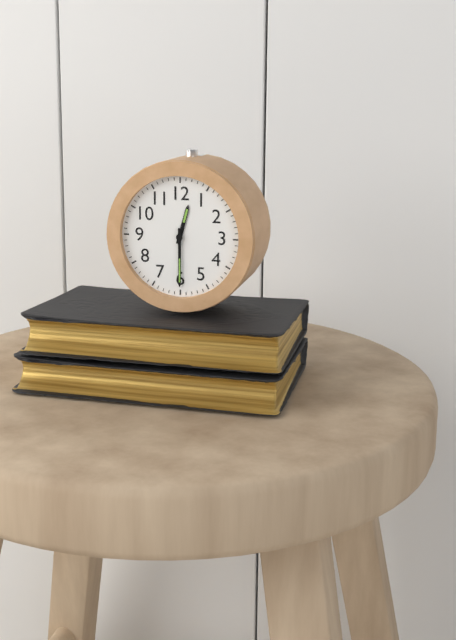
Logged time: 12 h 30 min
